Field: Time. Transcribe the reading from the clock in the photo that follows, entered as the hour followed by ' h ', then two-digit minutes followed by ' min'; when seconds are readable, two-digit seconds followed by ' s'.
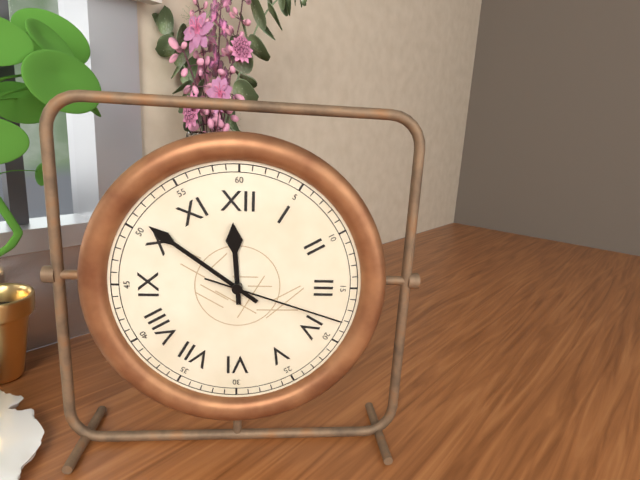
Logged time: 11 h 51 min 18 s
